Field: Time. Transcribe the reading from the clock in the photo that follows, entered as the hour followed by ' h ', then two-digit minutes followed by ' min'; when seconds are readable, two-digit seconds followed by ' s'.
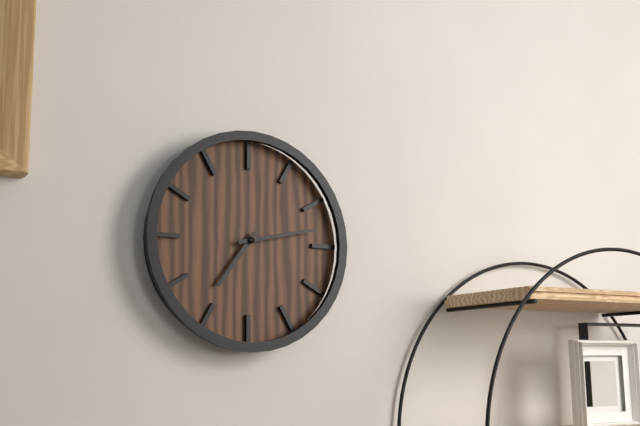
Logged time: 7 h 13 min
